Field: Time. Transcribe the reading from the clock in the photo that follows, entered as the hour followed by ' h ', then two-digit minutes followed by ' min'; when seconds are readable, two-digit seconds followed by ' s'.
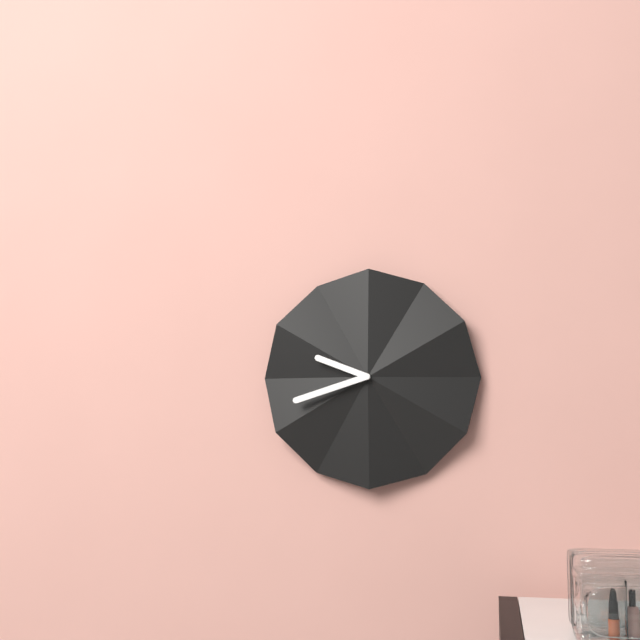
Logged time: 9 h 42 min
